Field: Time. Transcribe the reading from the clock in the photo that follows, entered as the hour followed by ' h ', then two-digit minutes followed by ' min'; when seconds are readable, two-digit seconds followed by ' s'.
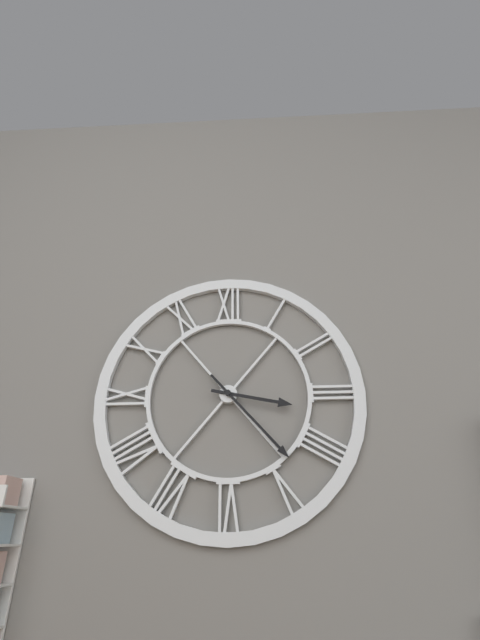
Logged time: 3 h 23 min
